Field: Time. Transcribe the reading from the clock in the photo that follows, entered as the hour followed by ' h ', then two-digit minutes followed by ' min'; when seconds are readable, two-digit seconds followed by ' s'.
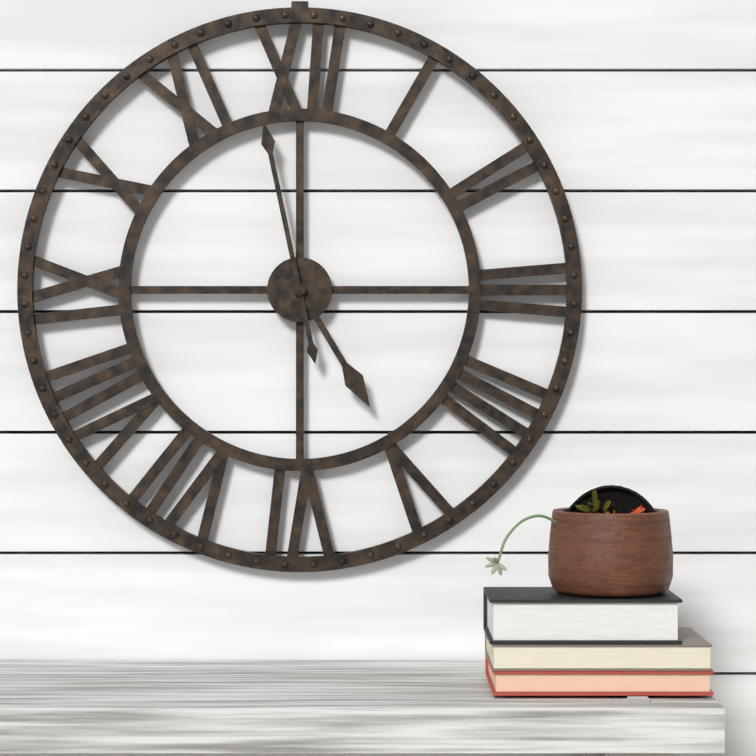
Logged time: 4 h 58 min
